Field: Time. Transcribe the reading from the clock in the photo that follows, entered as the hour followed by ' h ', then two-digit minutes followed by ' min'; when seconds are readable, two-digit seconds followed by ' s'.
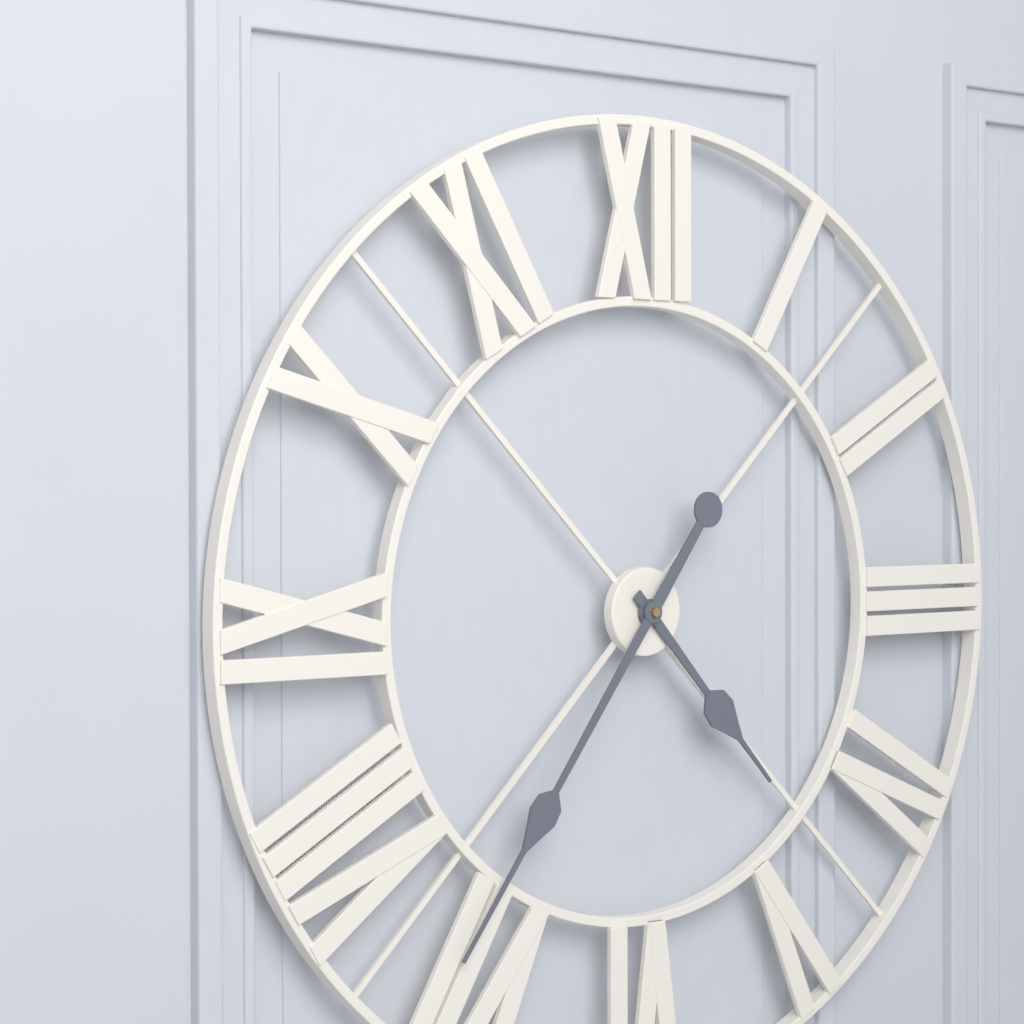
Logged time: 4 h 36 min
